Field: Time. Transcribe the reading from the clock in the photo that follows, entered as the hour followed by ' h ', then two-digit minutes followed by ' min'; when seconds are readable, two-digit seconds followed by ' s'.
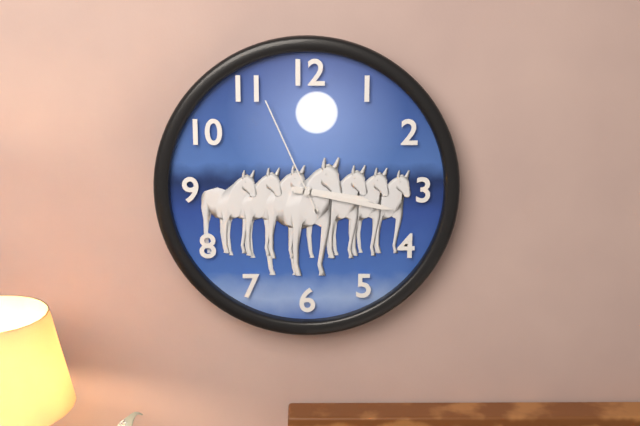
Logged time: 3 h 17 min 56 s
